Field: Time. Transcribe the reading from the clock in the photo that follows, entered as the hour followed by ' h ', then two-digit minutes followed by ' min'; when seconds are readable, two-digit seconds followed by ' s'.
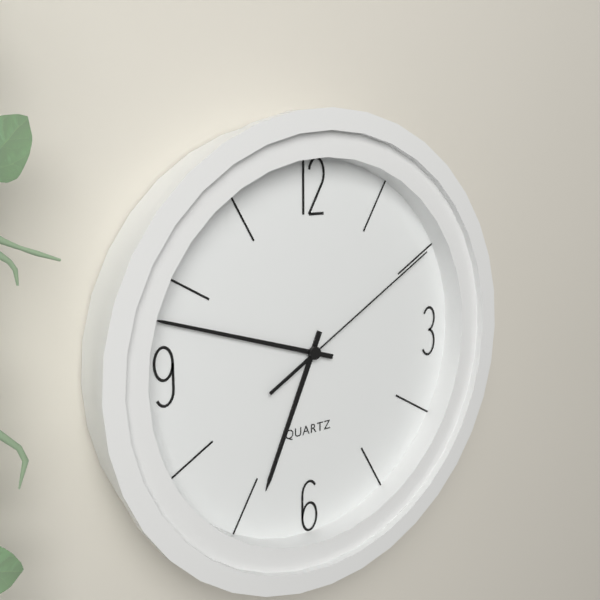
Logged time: 6 h 48 min 10 s
